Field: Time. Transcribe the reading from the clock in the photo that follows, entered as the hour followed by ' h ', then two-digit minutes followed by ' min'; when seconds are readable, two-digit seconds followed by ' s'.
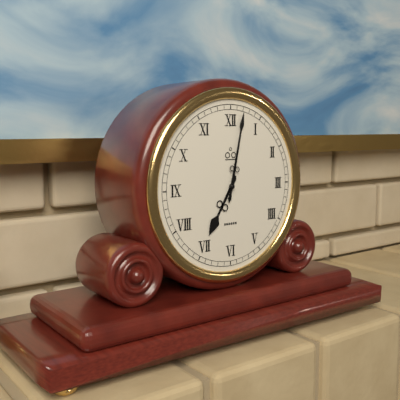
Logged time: 7 h 02 min
